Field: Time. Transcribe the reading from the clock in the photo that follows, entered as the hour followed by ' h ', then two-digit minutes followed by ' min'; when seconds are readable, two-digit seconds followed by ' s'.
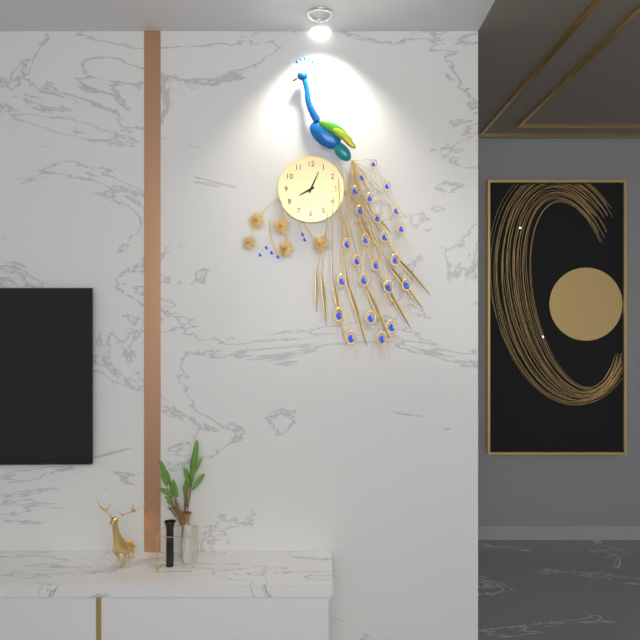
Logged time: 8 h 04 min
